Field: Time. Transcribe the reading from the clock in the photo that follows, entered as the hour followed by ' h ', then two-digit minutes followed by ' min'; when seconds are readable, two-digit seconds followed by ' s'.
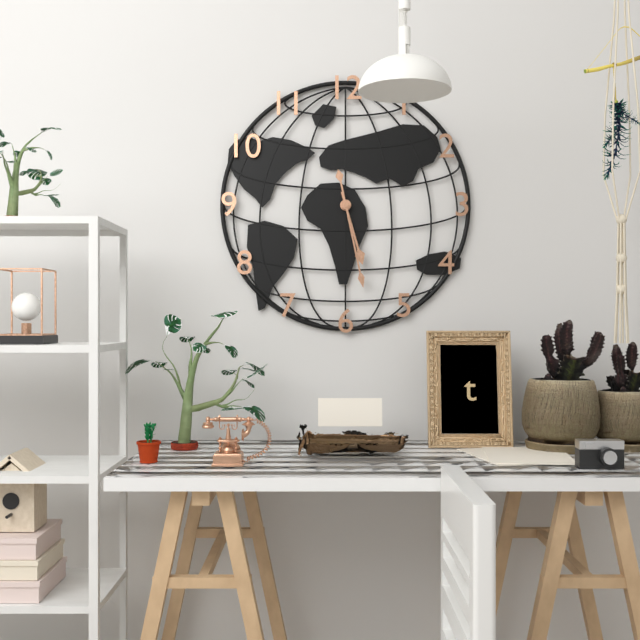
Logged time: 5 h 28 min
